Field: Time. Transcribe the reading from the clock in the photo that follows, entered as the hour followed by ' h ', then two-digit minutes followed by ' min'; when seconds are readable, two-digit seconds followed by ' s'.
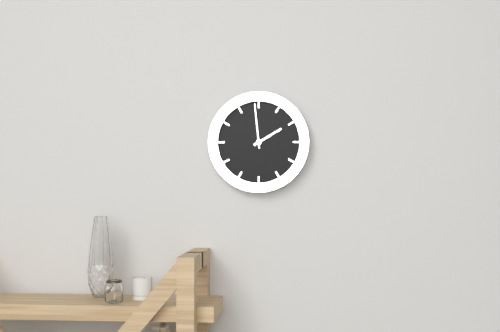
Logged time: 1 h 59 min
